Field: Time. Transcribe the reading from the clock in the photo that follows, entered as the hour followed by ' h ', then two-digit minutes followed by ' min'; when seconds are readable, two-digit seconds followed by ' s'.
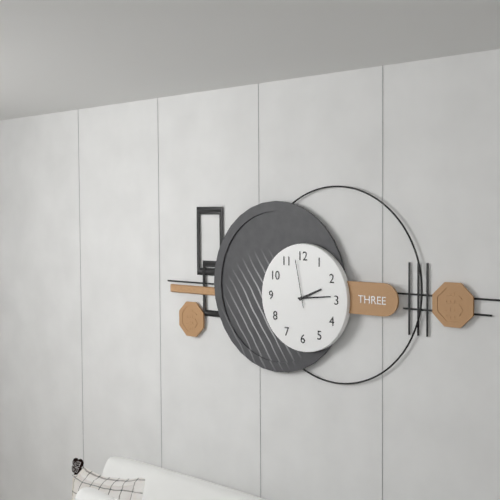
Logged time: 2 h 14 min
